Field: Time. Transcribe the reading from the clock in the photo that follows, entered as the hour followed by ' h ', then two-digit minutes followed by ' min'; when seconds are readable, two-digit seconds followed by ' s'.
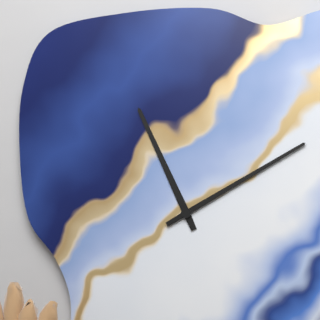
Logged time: 11 h 10 min
